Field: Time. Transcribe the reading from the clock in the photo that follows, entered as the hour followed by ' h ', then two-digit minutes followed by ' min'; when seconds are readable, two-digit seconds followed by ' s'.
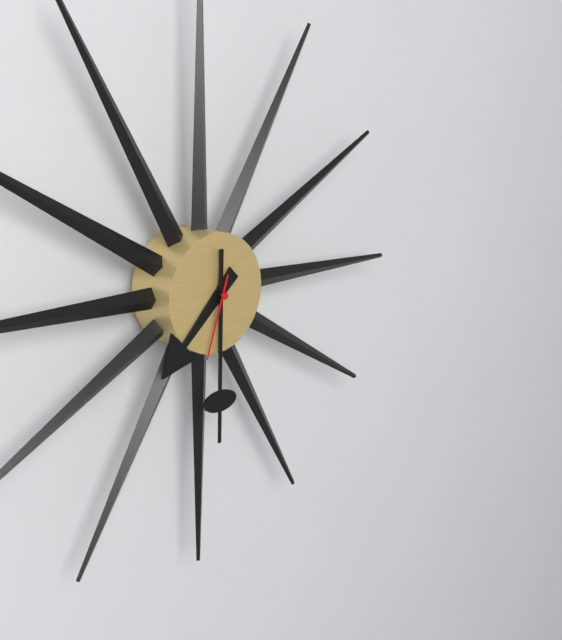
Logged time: 7 h 30 min 33 s
